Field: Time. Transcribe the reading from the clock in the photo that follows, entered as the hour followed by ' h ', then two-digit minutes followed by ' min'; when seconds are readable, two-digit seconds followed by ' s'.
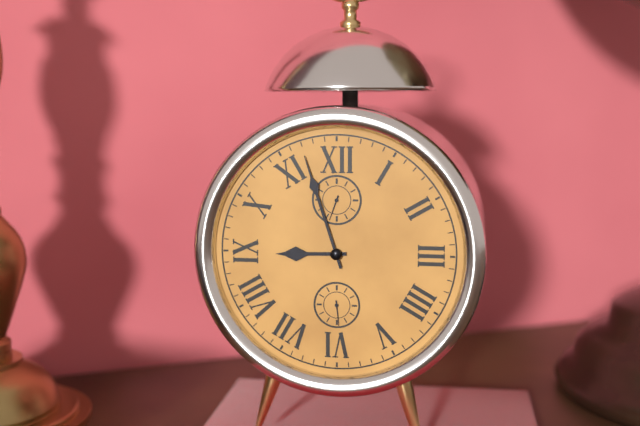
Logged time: 8 h 57 min
